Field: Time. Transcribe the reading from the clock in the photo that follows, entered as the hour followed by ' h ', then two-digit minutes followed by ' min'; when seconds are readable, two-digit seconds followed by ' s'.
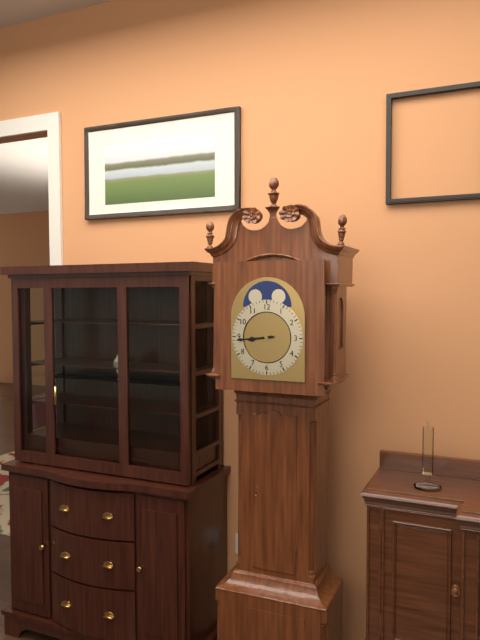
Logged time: 8 h 44 min
